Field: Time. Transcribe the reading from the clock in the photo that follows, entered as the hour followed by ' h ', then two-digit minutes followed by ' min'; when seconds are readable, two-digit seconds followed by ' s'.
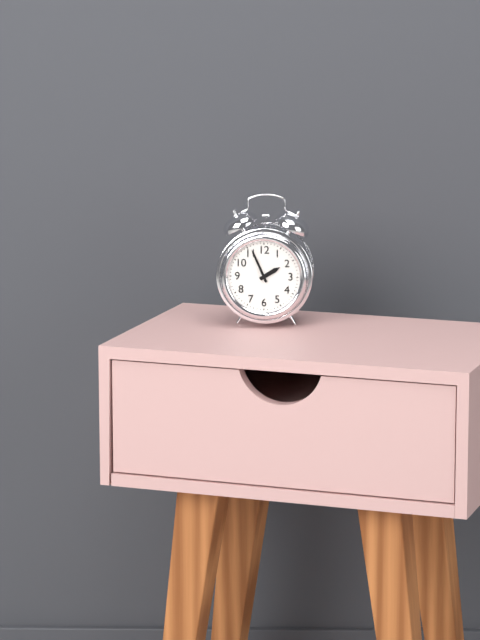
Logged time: 1 h 56 min
